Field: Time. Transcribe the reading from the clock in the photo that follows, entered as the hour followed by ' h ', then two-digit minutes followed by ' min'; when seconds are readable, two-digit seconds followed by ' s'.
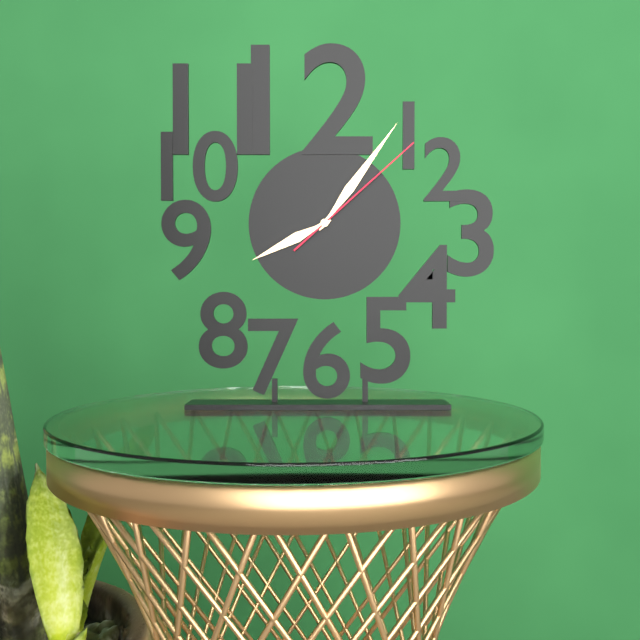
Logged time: 8 h 06 min 08 s
